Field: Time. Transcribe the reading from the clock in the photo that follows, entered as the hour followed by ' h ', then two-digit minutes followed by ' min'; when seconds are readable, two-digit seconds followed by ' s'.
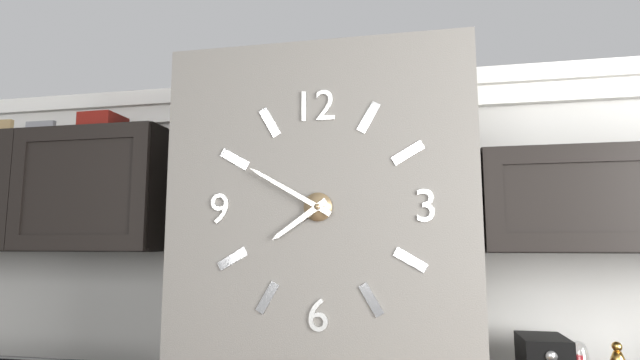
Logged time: 7 h 50 min
